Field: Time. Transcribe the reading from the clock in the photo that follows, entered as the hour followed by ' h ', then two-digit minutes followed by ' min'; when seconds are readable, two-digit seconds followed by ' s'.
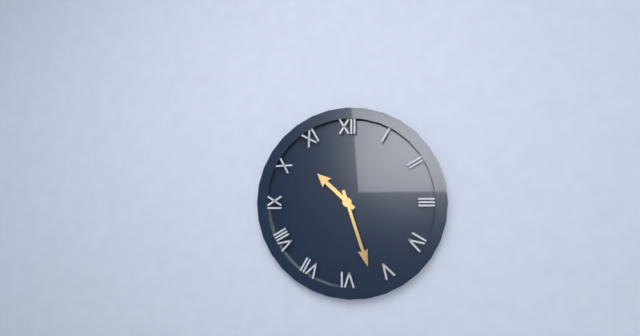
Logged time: 10 h 27 min
